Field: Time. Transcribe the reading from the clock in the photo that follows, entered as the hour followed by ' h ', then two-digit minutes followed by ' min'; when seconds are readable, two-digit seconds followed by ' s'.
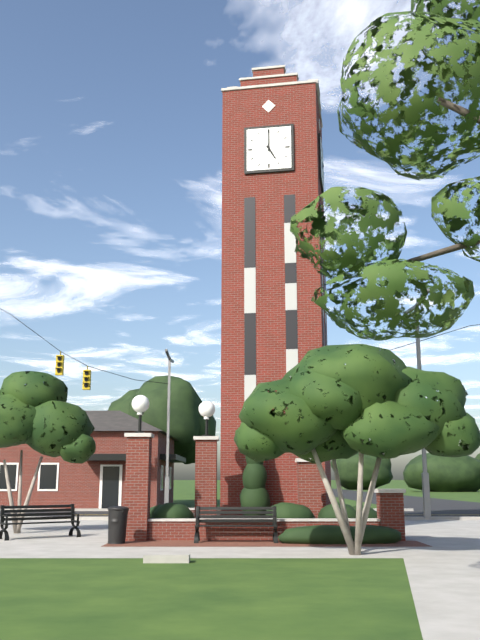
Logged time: 5 h 00 min
